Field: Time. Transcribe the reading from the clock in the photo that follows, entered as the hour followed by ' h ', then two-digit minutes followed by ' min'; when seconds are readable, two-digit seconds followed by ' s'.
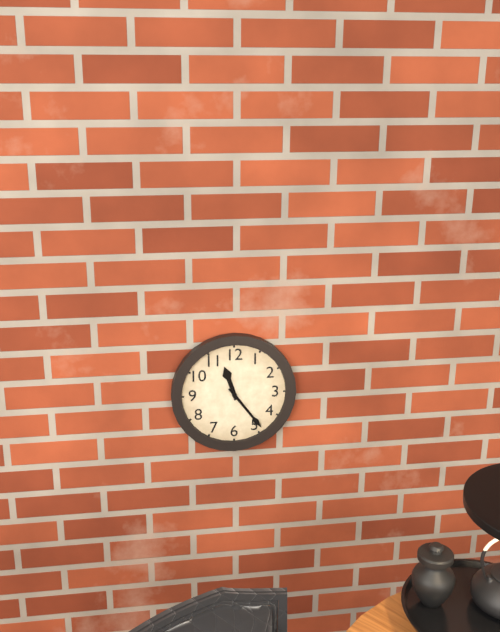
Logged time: 11 h 24 min
